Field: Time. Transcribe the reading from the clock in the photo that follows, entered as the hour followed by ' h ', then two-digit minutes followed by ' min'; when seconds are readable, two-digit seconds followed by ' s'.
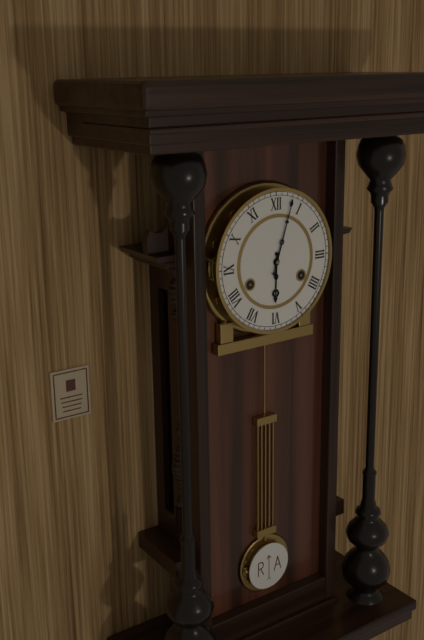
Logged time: 6 h 03 min
